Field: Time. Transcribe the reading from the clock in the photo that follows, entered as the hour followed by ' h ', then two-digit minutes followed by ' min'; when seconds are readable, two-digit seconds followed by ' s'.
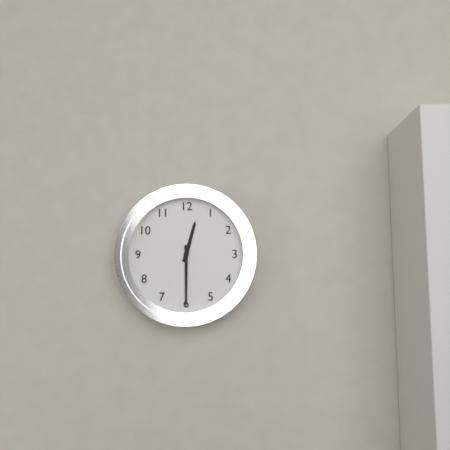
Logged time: 12 h 30 min
